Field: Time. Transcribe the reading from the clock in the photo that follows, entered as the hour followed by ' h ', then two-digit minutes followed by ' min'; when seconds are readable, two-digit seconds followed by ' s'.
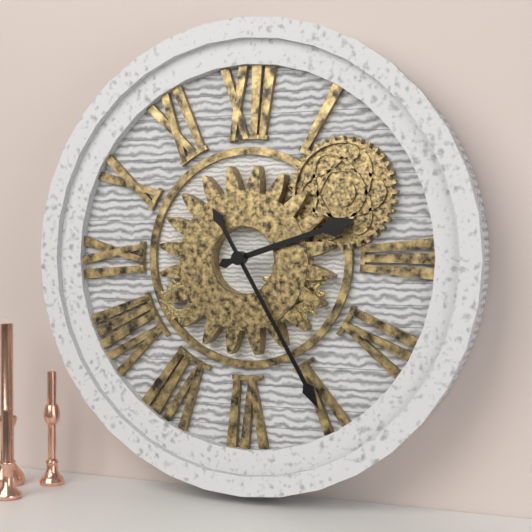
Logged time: 2 h 25 min
